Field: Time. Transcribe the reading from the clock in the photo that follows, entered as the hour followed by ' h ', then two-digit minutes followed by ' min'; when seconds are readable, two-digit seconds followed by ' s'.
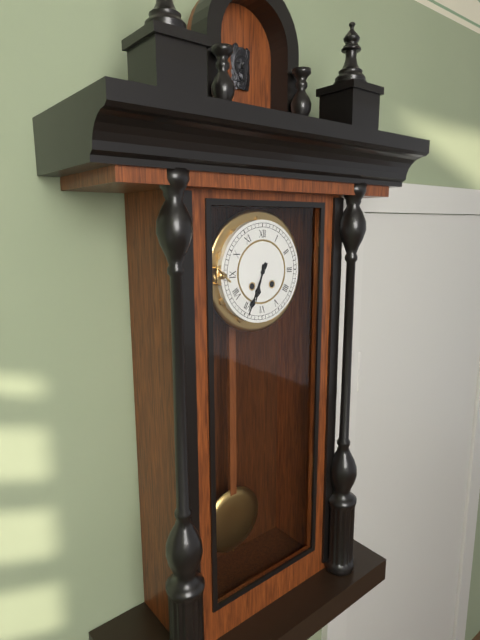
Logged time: 6 h 34 min
